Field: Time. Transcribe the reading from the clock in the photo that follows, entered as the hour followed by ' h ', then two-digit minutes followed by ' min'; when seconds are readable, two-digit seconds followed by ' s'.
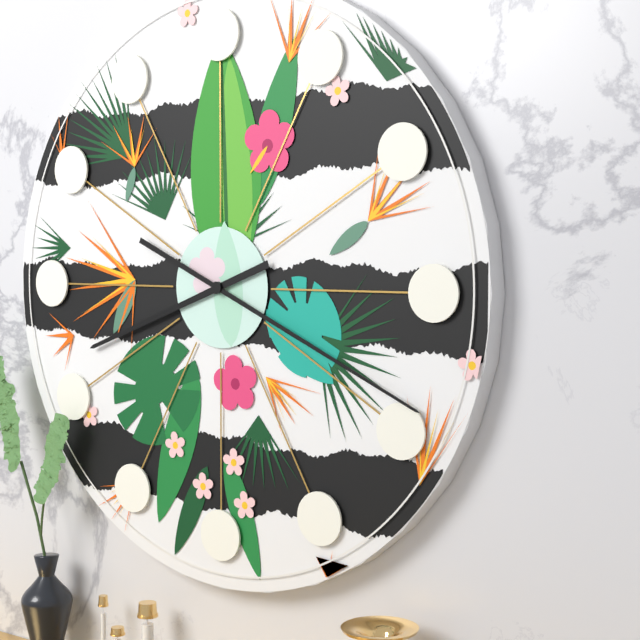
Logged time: 8 h 19 min
